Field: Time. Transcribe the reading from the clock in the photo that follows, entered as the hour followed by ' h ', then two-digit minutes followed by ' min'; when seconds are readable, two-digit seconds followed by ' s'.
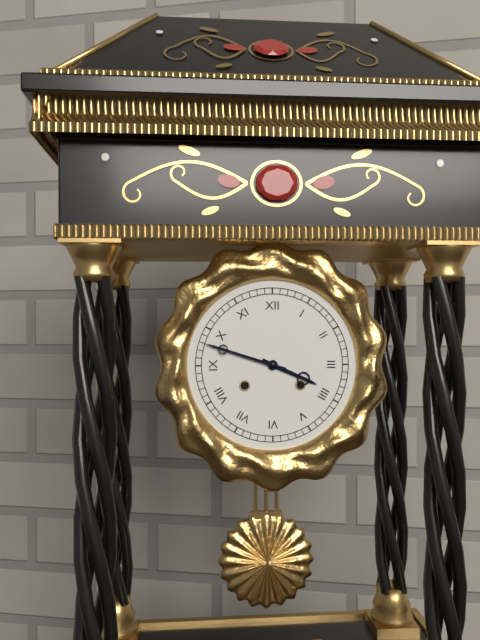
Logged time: 3 h 48 min
